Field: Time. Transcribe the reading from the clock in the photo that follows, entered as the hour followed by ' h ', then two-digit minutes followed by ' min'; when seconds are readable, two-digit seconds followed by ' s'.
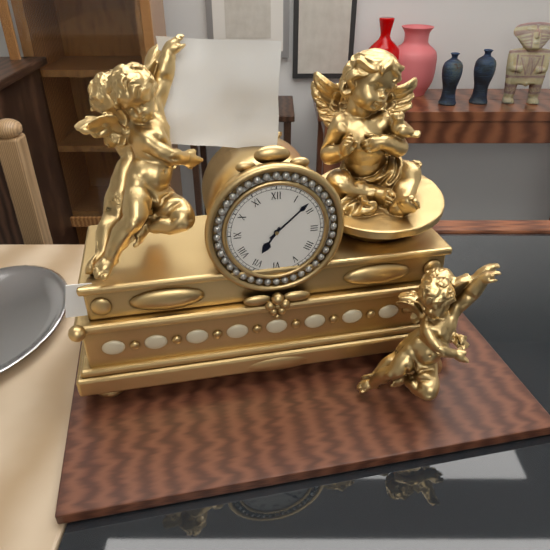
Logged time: 7 h 08 min
